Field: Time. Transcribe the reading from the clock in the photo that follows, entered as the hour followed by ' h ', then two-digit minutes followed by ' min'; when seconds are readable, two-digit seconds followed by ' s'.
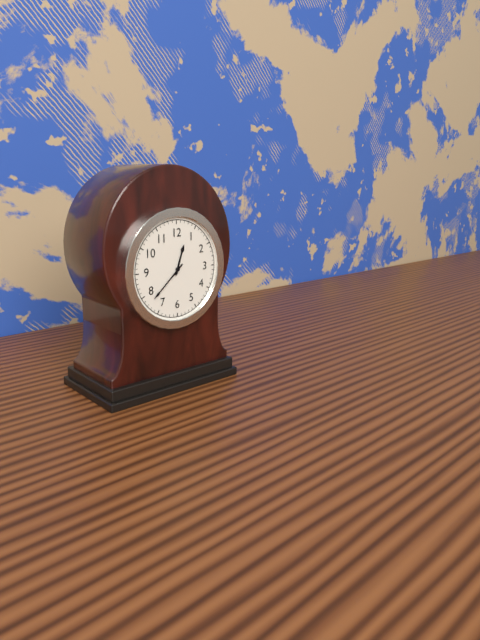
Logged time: 12 h 38 min
